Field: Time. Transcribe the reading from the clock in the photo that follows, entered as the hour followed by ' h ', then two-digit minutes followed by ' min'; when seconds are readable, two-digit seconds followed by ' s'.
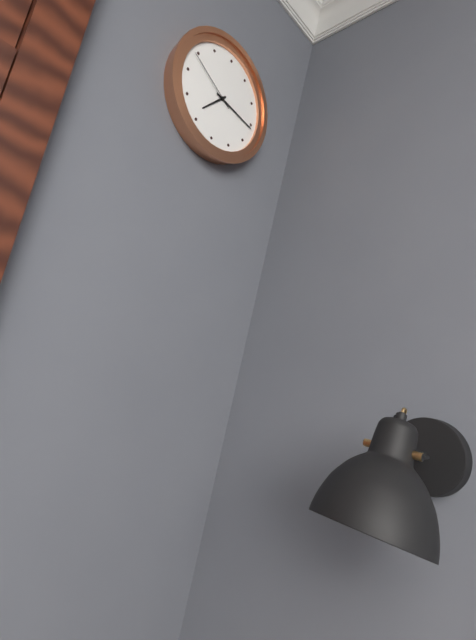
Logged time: 7 h 16 min 49 s
